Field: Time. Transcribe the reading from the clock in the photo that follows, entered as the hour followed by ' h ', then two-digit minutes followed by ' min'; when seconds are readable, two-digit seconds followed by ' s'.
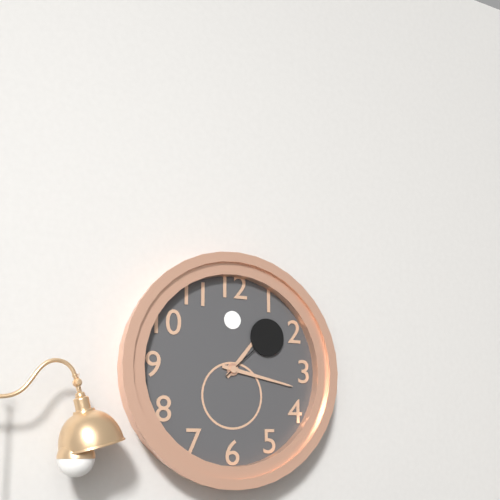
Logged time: 1 h 17 min 08 s
